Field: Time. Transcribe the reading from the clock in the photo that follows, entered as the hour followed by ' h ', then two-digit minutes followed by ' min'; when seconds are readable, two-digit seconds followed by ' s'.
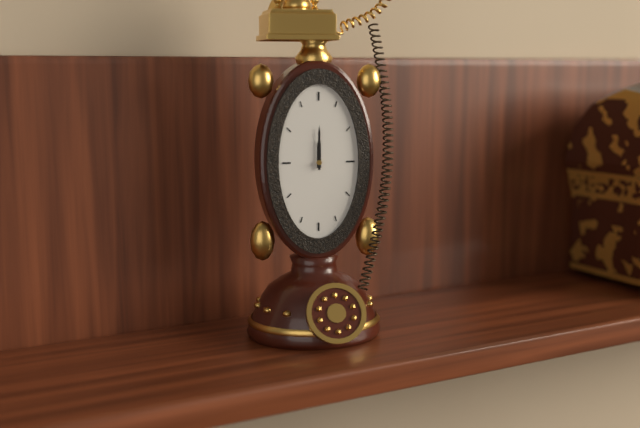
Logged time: 12 h 00 min
